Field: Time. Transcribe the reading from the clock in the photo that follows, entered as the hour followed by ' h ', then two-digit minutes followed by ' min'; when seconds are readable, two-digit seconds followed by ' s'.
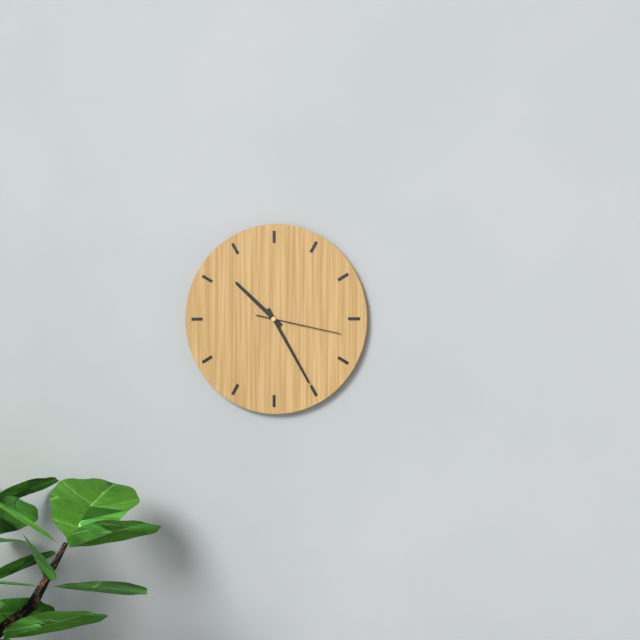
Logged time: 10 h 25 min 17 s
